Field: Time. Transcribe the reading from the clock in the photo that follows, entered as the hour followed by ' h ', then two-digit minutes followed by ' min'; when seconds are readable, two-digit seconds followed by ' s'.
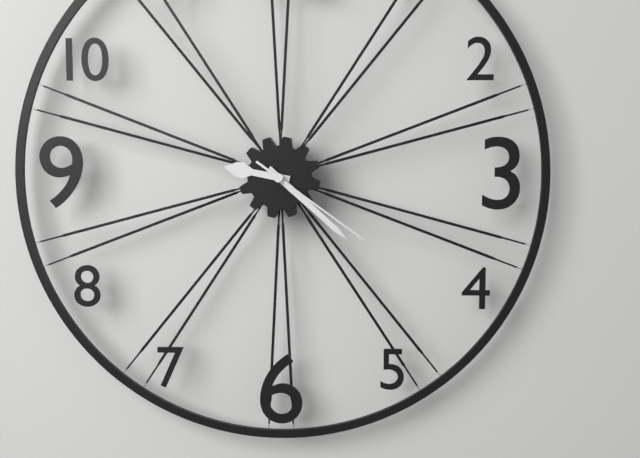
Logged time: 9 h 22 min 21 s
